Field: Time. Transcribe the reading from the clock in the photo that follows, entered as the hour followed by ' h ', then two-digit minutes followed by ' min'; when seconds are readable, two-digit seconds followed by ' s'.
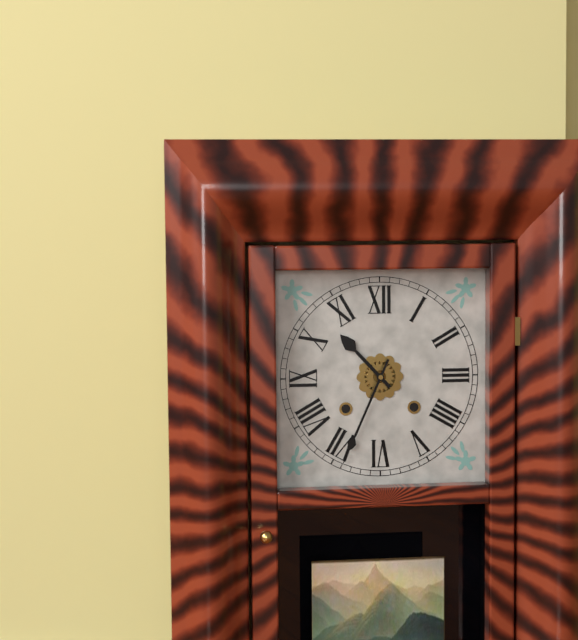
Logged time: 10 h 34 min
